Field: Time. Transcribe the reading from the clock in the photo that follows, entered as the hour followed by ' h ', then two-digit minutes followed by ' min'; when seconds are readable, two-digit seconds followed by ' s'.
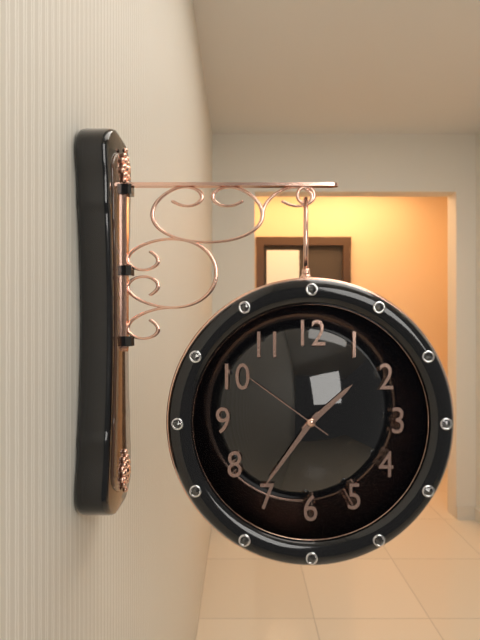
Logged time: 1 h 36 min 51 s
